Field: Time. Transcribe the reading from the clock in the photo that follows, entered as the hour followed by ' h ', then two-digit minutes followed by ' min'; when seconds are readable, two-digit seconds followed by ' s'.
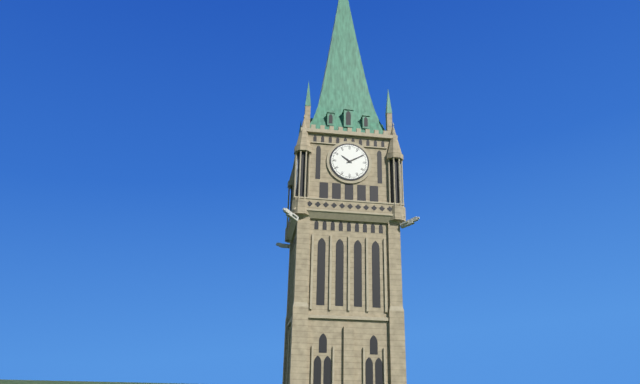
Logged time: 10 h 10 min
